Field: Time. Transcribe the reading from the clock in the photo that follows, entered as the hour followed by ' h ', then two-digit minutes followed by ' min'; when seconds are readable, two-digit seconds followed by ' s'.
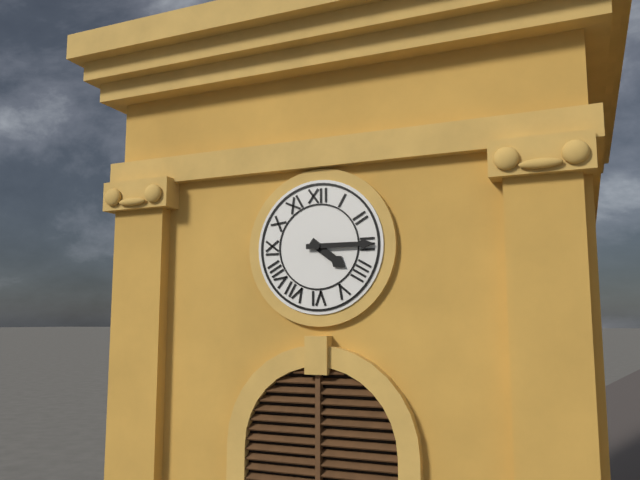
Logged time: 4 h 15 min
